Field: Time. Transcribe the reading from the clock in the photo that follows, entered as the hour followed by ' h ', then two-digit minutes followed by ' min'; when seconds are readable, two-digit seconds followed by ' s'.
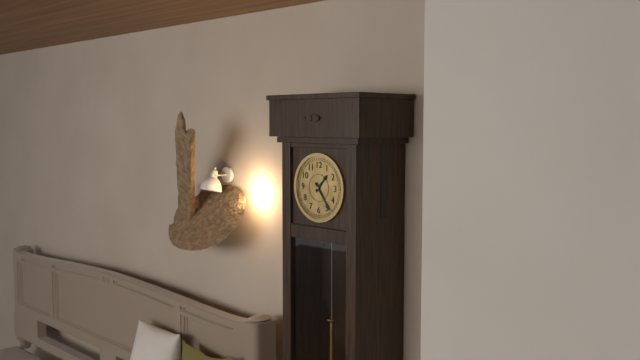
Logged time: 1 h 24 min
